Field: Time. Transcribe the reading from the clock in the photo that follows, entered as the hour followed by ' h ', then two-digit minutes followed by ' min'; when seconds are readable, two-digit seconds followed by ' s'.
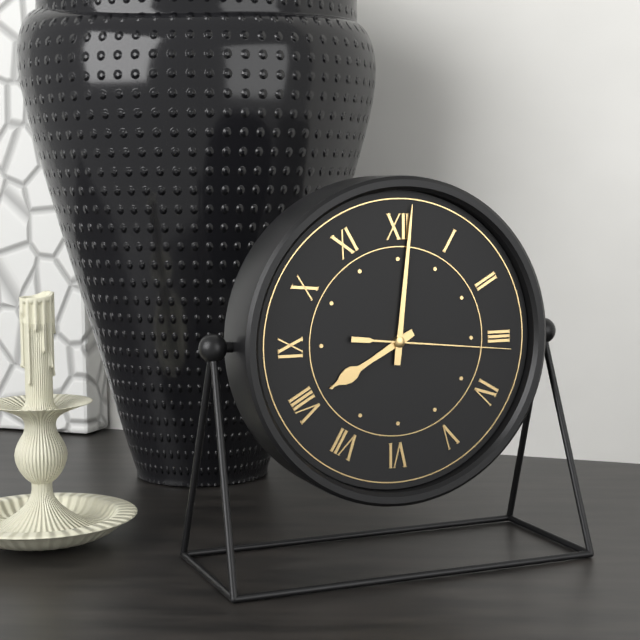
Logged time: 8 h 01 min 16 s
